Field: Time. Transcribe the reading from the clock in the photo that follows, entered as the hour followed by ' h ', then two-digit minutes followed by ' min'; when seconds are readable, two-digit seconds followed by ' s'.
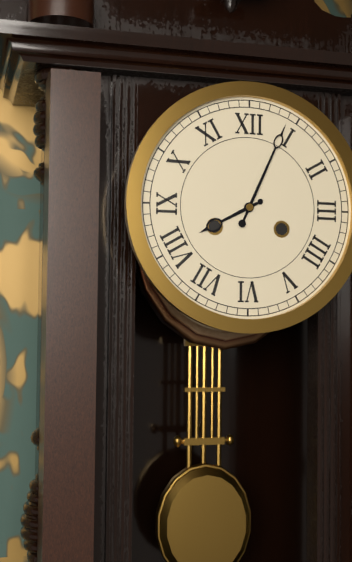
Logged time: 8 h 04 min
